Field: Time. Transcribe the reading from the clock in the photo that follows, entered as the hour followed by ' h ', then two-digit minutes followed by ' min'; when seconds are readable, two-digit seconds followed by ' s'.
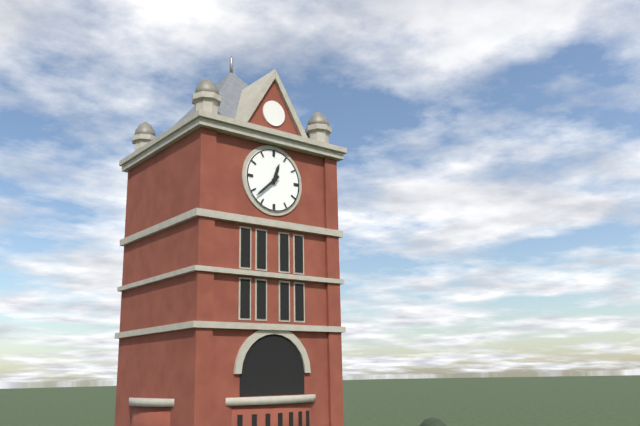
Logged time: 12 h 38 min
